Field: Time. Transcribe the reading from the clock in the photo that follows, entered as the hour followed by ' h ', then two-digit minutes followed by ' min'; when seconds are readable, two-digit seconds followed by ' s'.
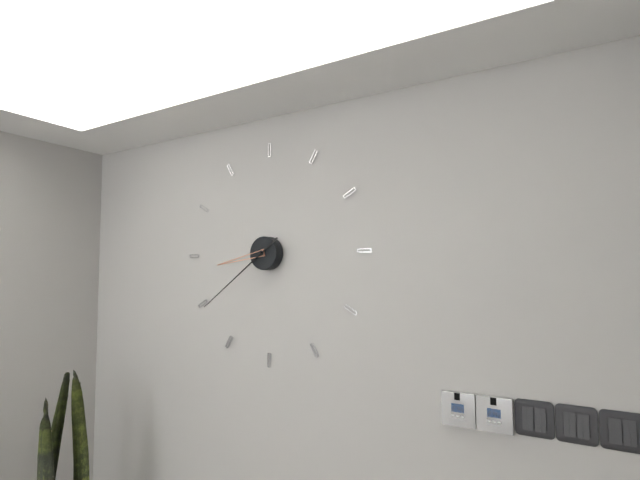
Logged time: 8 h 39 min
